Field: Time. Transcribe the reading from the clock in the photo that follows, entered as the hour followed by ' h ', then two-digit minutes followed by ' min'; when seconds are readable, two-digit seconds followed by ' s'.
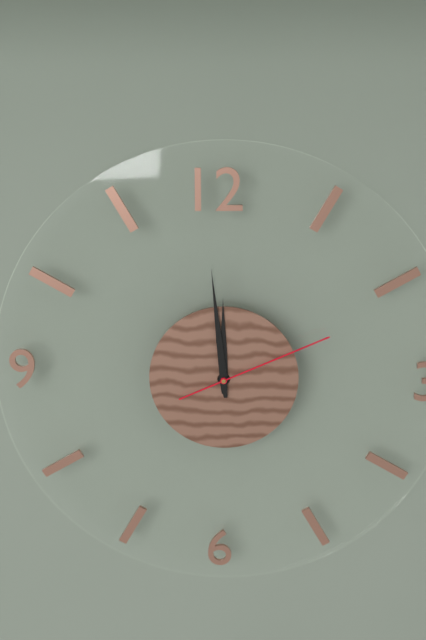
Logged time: 11 h 59 min 11 s
